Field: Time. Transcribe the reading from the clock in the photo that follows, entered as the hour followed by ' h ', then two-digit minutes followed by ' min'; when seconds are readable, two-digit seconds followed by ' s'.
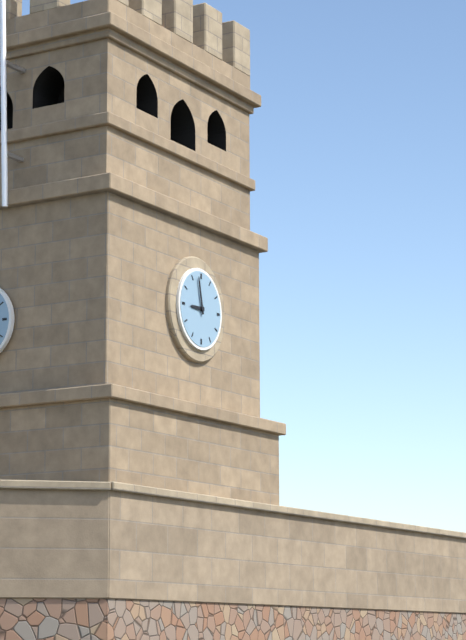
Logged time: 8 h 58 min
